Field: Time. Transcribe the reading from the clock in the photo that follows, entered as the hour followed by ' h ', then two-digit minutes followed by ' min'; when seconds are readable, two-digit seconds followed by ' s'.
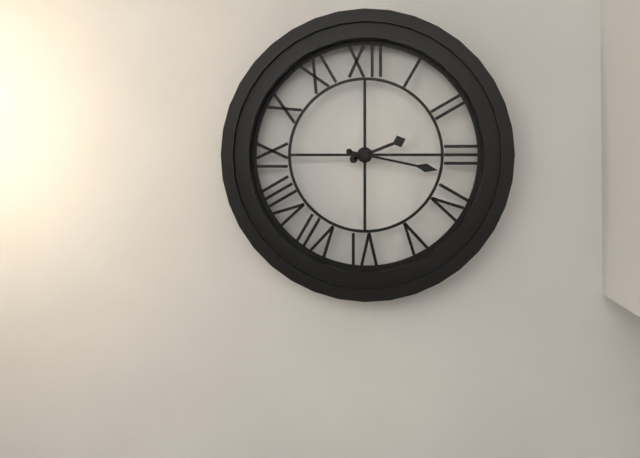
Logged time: 2 h 17 min
